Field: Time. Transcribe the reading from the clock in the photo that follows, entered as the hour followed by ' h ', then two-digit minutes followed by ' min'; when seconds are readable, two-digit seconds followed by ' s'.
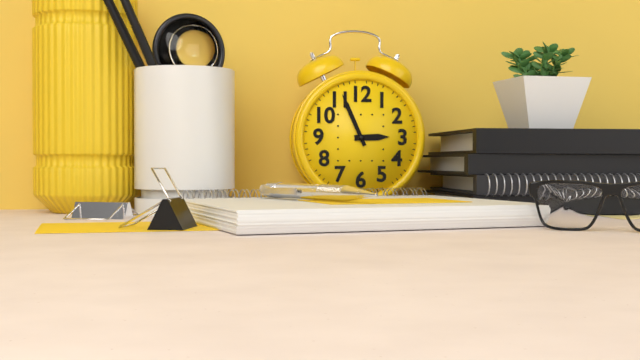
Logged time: 2 h 56 min
